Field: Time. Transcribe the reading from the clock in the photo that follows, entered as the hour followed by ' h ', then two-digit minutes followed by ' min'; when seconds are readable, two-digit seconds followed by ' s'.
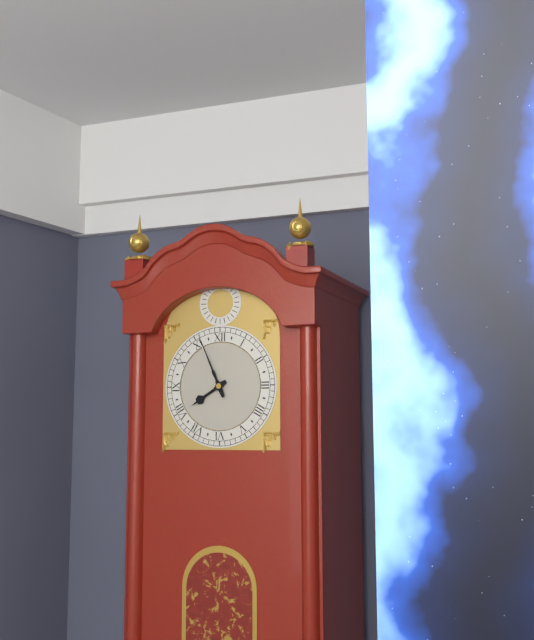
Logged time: 7 h 56 min
